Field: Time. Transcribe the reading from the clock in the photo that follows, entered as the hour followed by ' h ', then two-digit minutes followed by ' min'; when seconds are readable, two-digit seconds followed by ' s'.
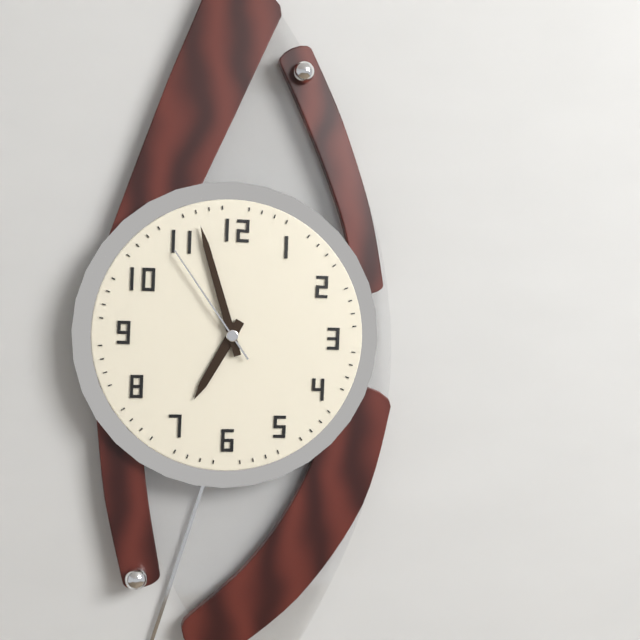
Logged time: 6 h 57 min 54 s
